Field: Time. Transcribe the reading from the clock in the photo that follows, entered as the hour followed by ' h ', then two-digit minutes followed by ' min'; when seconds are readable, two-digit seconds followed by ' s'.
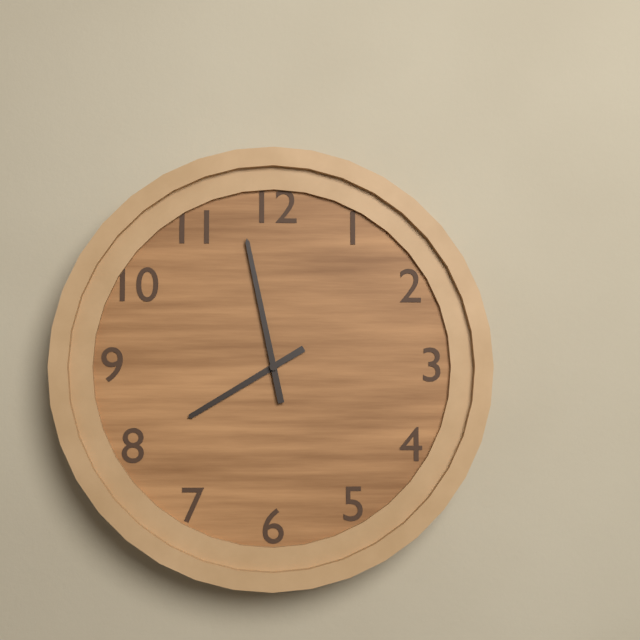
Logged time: 7 h 58 min
